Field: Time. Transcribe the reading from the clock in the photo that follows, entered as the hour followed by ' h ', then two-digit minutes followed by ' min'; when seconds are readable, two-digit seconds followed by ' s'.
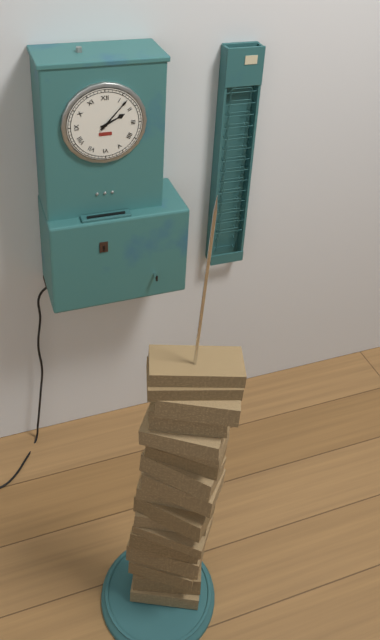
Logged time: 2 h 07 min
